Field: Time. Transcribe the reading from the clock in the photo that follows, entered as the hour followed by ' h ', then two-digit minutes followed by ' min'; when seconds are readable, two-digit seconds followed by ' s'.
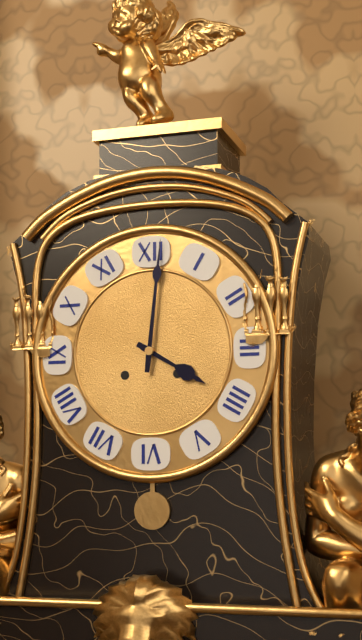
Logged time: 4 h 01 min
